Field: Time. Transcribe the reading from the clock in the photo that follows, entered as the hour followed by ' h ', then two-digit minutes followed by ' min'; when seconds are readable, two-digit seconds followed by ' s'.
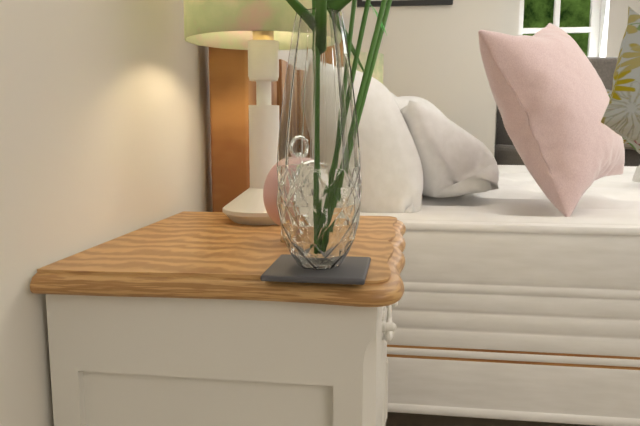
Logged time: 2 h 52 min
